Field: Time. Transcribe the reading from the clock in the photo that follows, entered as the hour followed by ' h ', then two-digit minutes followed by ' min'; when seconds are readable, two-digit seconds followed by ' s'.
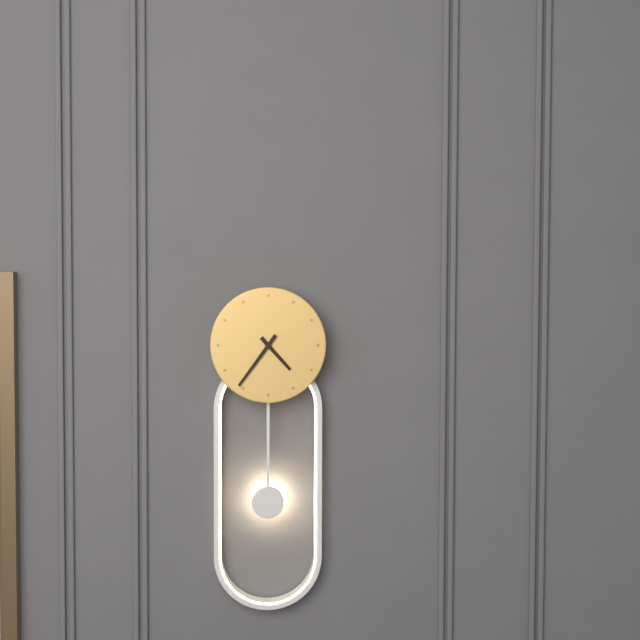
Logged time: 4 h 36 min
